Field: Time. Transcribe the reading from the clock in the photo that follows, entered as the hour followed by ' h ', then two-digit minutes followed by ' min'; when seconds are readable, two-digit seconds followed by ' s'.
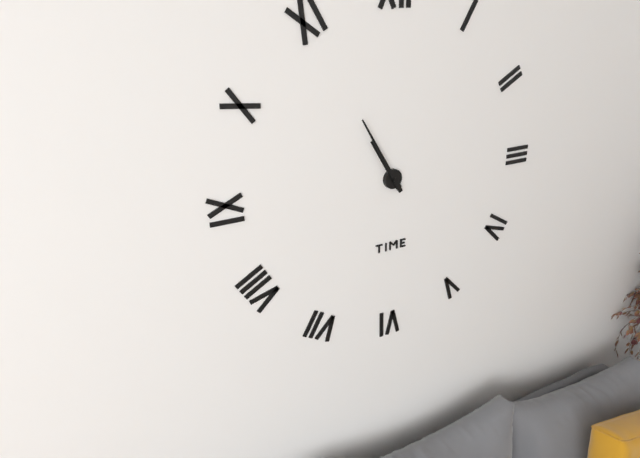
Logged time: 10 h 55 min
